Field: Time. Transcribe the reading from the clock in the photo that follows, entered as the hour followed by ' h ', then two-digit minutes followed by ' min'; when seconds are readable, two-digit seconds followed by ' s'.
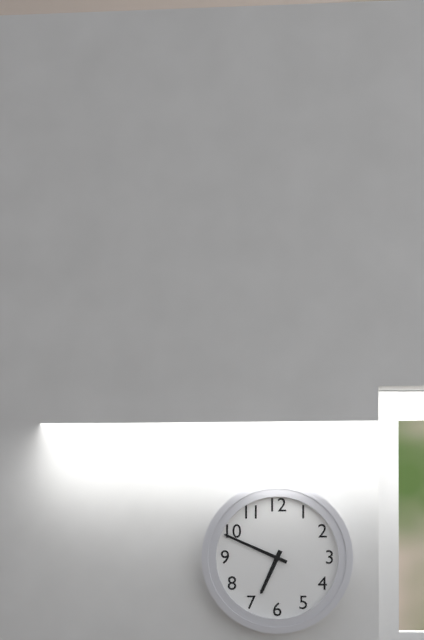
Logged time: 6 h 49 min
